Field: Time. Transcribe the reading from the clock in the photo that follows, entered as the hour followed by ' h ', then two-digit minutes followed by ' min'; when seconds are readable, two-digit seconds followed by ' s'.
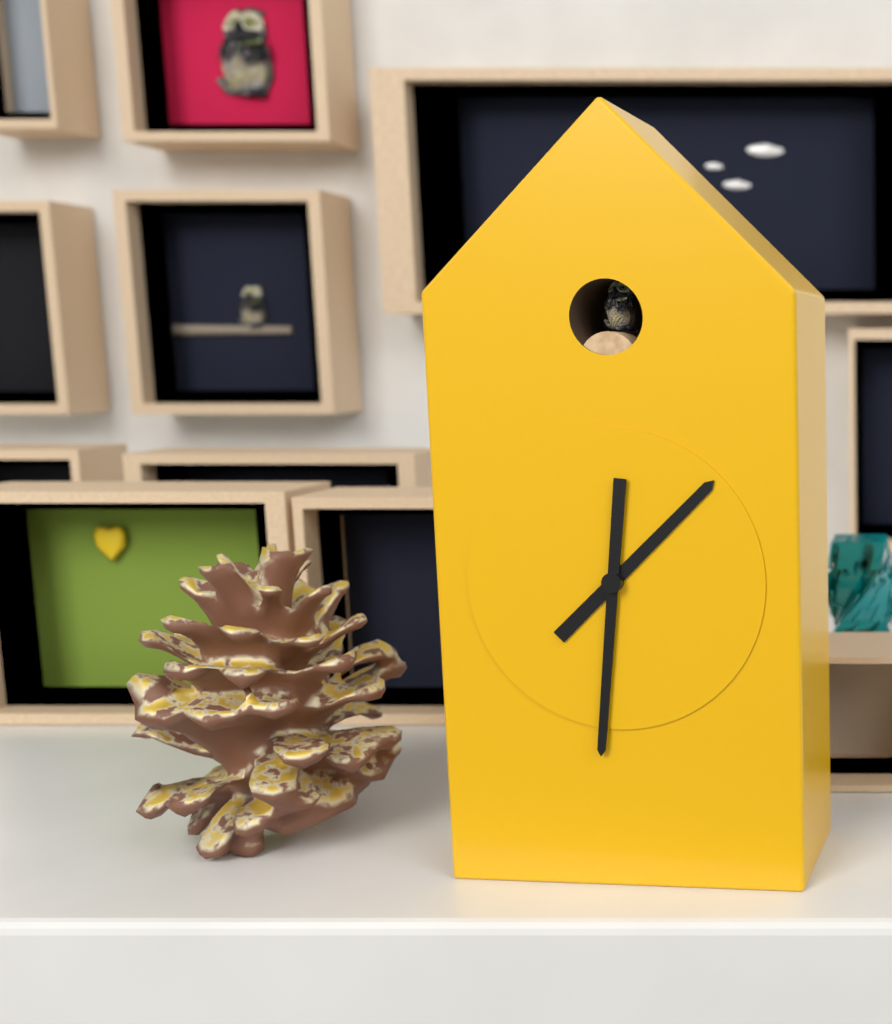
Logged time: 1 h 31 min
